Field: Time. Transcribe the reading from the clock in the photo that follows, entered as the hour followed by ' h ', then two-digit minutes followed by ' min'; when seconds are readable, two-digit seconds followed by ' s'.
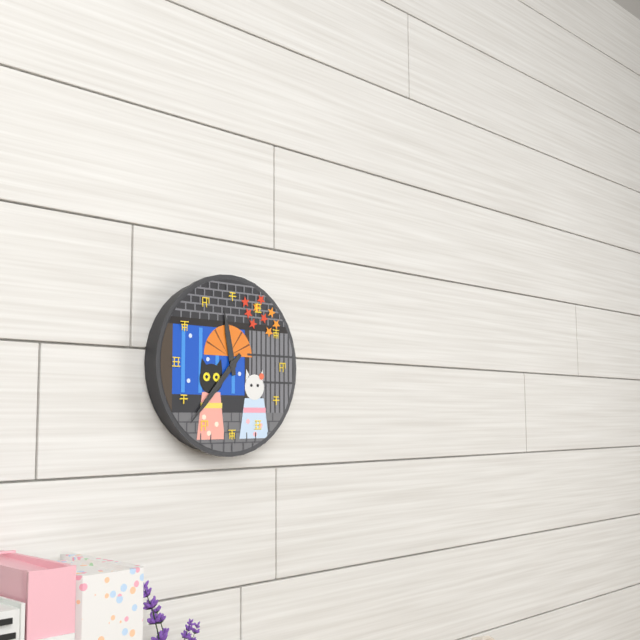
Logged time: 11 h 37 min
